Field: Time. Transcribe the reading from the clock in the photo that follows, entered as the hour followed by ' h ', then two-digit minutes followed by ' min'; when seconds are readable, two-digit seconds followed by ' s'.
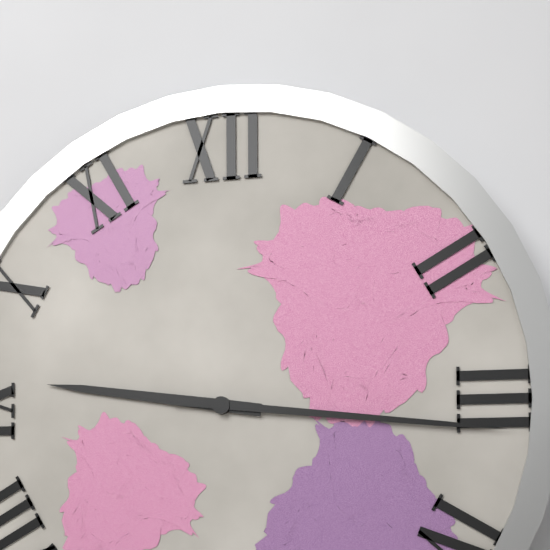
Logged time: 9 h 16 min
